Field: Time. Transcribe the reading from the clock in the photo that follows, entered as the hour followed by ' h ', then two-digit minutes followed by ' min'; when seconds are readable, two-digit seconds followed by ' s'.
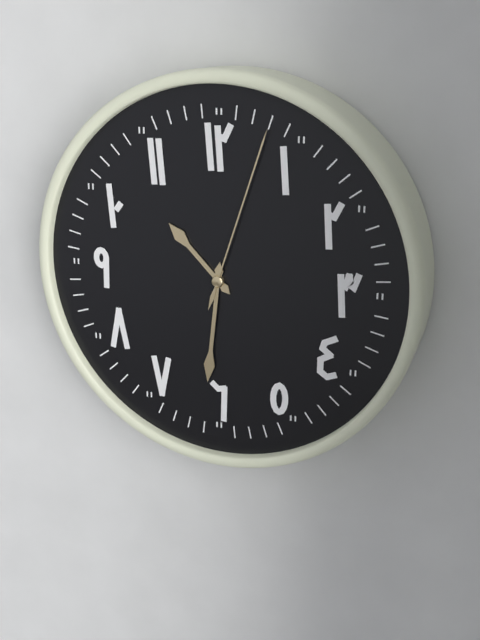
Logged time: 10 h 31 min 03 s
